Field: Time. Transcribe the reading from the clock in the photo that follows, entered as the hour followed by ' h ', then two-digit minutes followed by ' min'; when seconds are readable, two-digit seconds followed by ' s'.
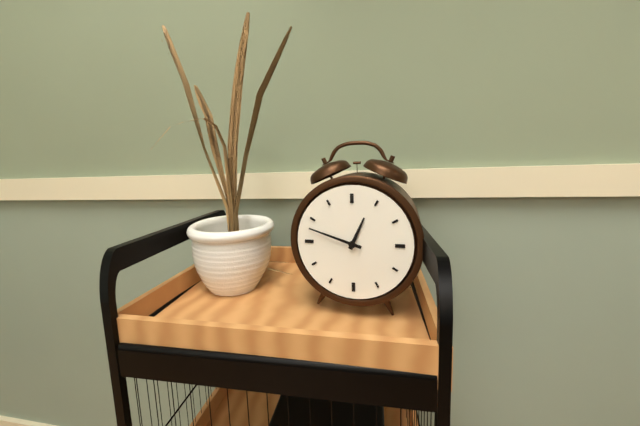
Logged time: 12 h 48 min
